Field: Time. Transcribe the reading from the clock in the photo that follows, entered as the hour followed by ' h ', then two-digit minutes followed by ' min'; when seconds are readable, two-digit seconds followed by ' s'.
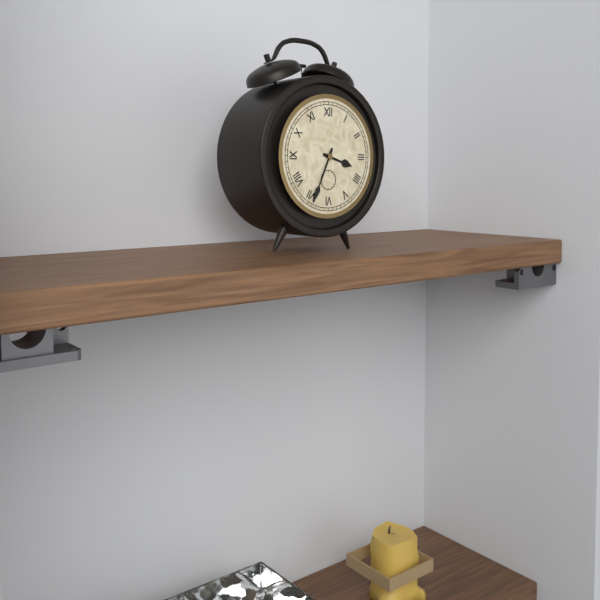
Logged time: 3 h 34 min
